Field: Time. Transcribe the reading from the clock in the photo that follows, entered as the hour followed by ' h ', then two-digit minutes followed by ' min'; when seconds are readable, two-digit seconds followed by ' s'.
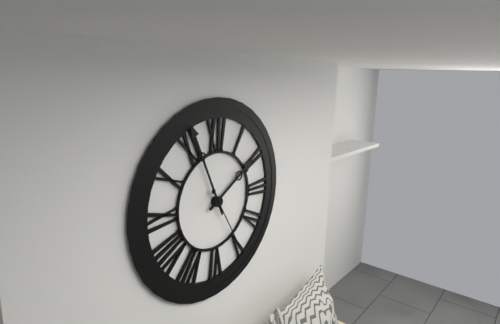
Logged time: 1 h 56 min 25 s
